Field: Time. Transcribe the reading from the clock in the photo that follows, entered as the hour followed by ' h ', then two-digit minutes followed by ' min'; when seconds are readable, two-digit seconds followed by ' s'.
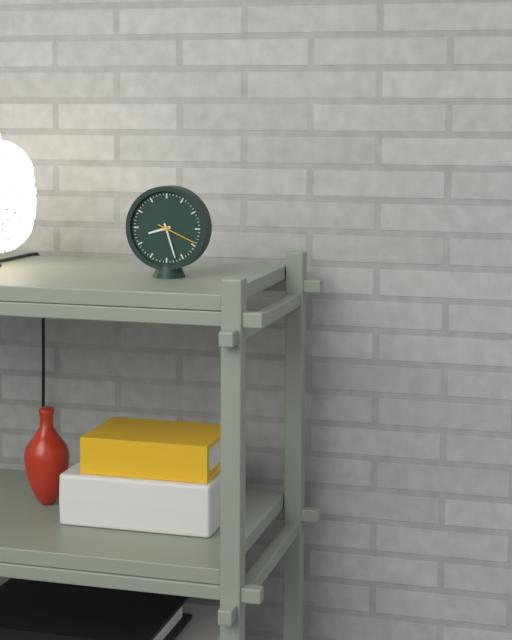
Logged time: 8 h 27 min
